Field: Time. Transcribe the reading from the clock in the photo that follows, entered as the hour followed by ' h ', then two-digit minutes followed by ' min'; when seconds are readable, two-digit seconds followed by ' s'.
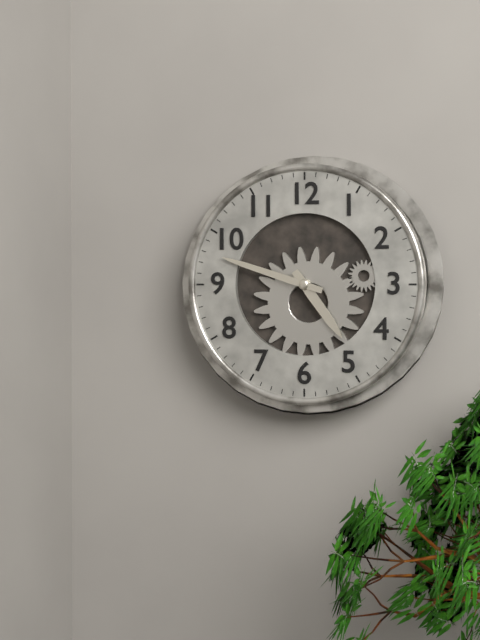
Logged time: 4 h 48 min
